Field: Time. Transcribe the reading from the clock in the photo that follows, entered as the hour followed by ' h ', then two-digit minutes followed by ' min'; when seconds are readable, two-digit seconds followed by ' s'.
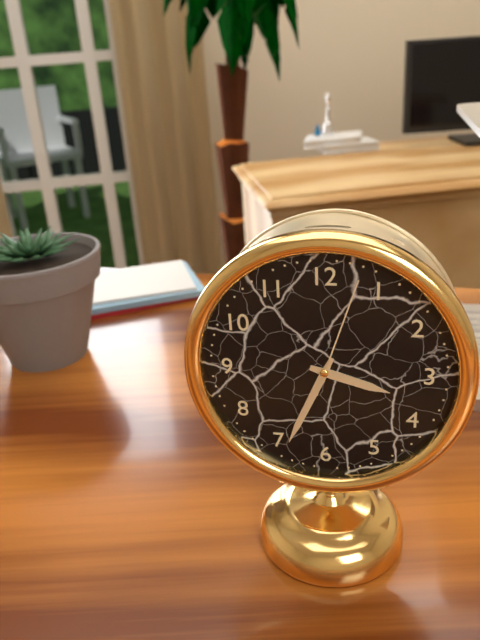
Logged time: 3 h 34 min 03 s
